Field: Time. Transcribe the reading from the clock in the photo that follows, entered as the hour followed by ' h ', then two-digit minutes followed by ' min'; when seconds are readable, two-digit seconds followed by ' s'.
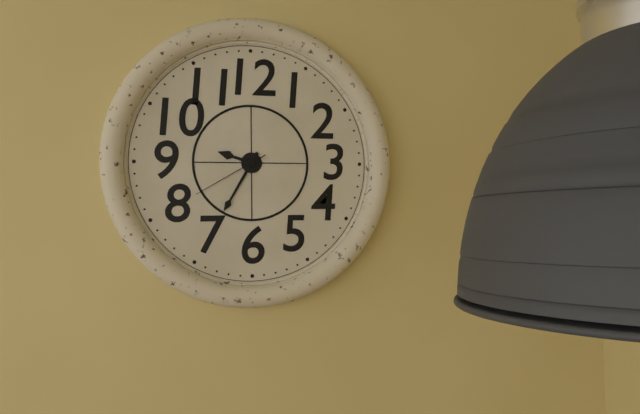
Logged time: 9 h 35 min 40 s
